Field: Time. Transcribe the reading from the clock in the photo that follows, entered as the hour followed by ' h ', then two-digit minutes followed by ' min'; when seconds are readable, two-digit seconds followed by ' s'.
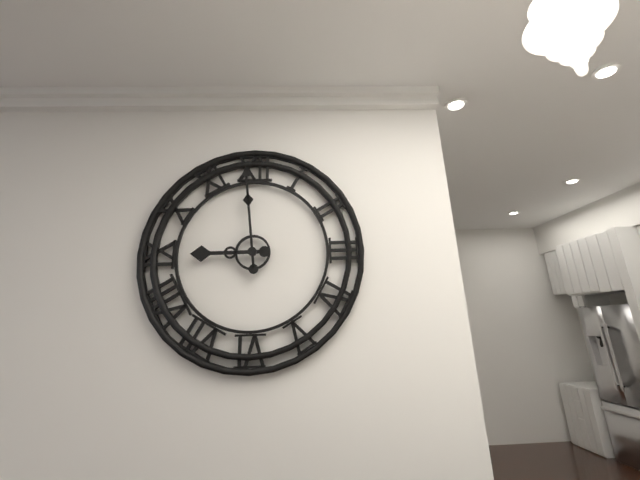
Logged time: 8 h 59 min
